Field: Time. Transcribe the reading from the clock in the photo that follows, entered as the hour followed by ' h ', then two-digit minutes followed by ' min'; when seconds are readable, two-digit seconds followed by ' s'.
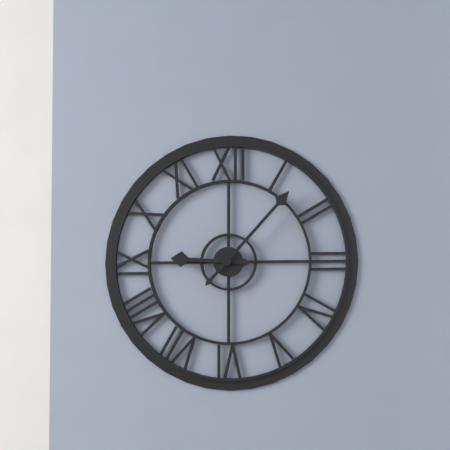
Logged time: 9 h 07 min
